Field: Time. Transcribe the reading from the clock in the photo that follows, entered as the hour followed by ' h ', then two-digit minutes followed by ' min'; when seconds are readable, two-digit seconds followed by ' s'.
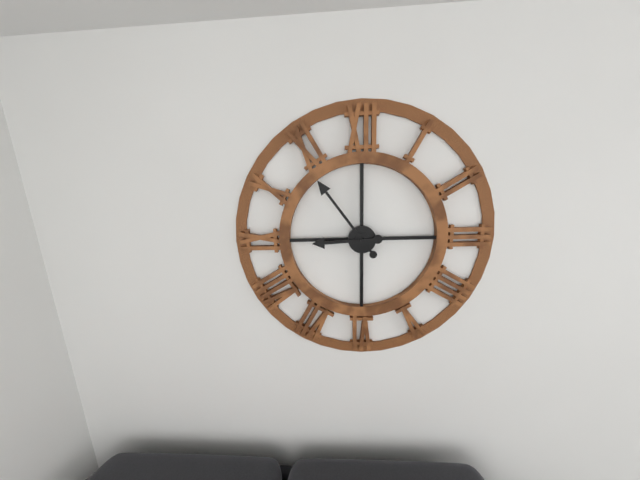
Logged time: 8 h 54 min
